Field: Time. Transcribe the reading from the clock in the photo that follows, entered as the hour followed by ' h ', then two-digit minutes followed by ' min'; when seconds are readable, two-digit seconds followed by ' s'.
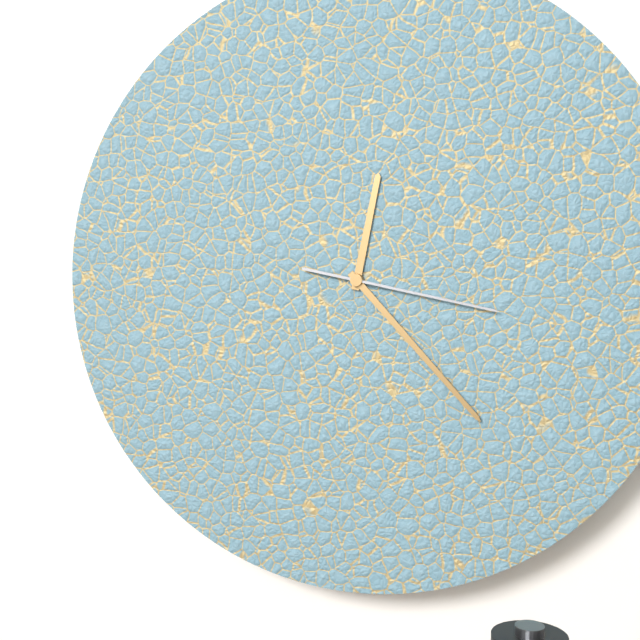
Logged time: 12 h 23 min 17 s
